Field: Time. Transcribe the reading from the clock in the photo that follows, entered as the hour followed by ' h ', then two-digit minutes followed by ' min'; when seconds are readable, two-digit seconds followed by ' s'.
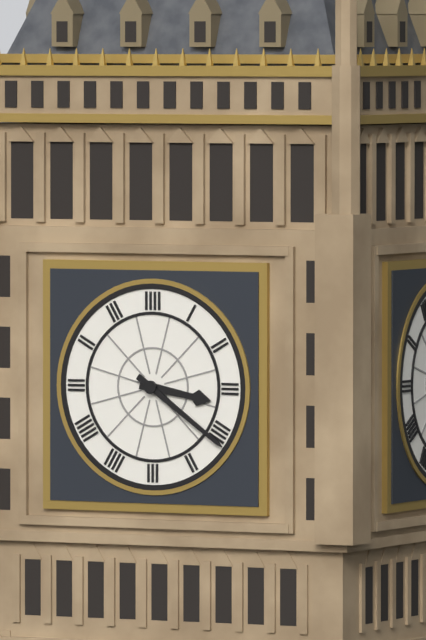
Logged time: 3 h 21 min
